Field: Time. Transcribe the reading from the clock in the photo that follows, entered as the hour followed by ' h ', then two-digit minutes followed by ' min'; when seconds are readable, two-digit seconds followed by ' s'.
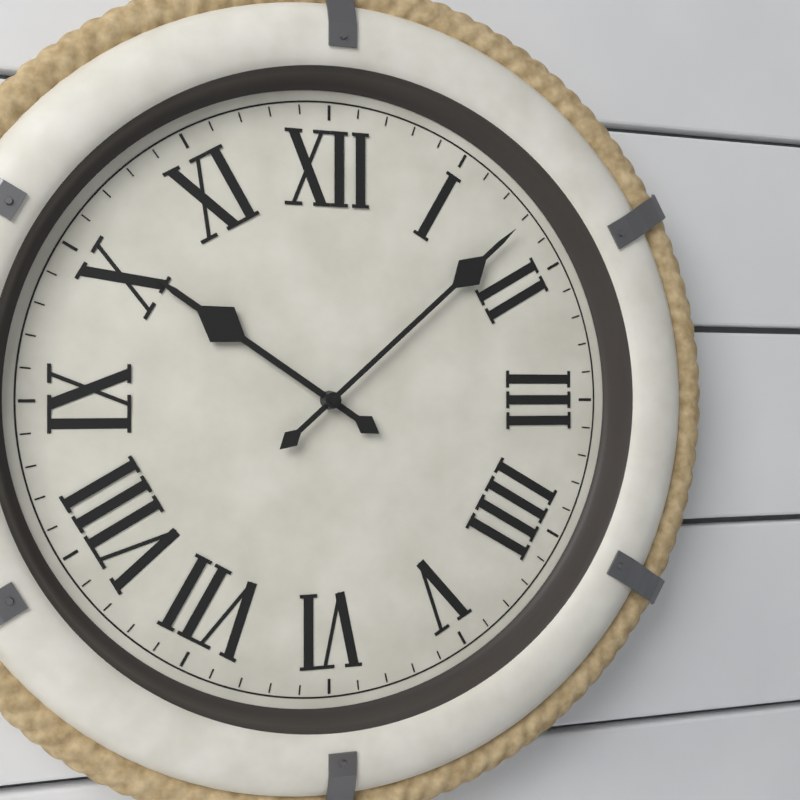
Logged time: 10 h 08 min
